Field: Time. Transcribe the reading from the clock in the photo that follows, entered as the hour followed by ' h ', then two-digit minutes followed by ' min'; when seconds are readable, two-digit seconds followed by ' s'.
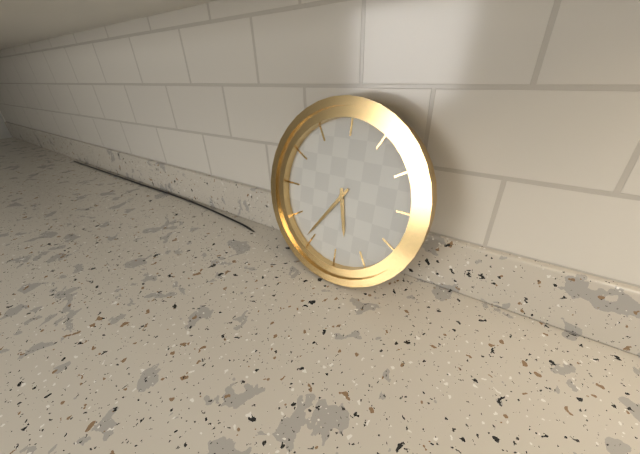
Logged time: 5 h 36 min
